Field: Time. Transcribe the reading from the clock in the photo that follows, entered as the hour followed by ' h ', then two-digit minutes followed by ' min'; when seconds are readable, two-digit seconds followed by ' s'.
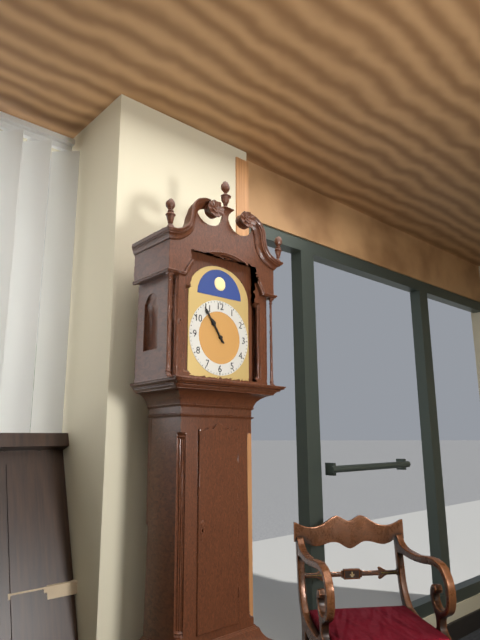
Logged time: 10 h 54 min
